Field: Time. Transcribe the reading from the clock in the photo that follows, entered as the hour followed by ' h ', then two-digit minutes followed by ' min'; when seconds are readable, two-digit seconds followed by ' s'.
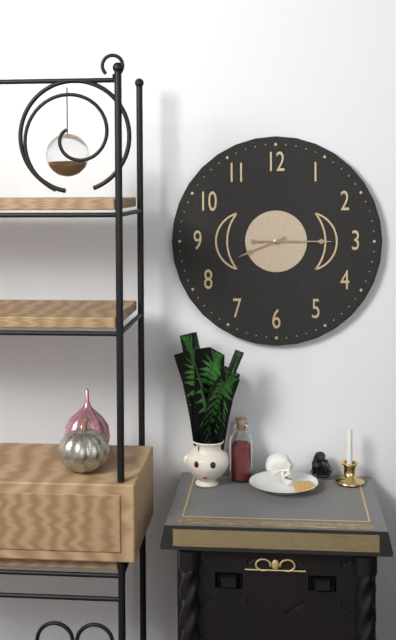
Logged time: 8 h 15 min
